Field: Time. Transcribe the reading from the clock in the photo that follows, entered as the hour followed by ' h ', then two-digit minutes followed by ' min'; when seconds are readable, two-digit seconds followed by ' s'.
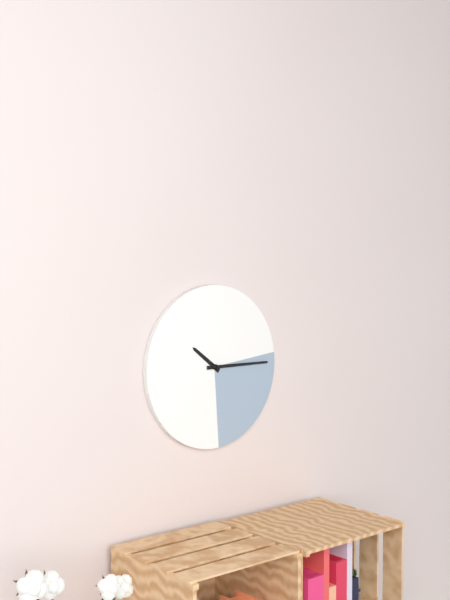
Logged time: 10 h 15 min
